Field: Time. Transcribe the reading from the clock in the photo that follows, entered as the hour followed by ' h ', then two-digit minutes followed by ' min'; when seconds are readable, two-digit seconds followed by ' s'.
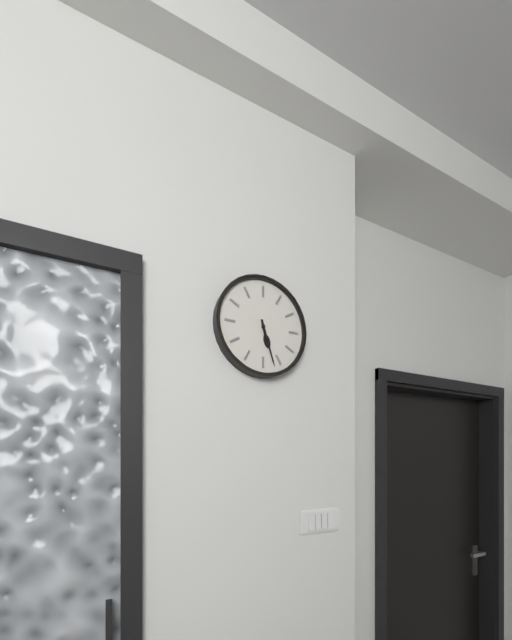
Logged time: 5 h 27 min
